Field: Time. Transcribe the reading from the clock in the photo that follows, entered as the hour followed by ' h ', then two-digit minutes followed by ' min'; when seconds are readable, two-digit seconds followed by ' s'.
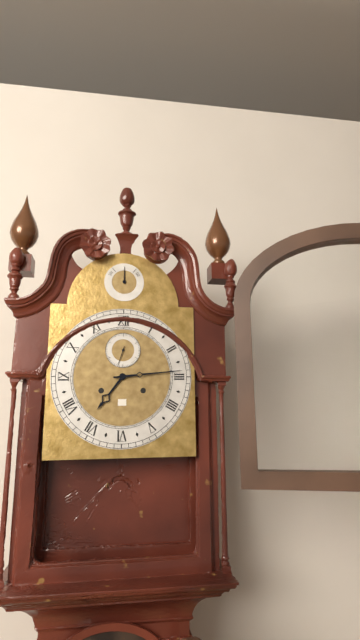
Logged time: 7 h 14 min
